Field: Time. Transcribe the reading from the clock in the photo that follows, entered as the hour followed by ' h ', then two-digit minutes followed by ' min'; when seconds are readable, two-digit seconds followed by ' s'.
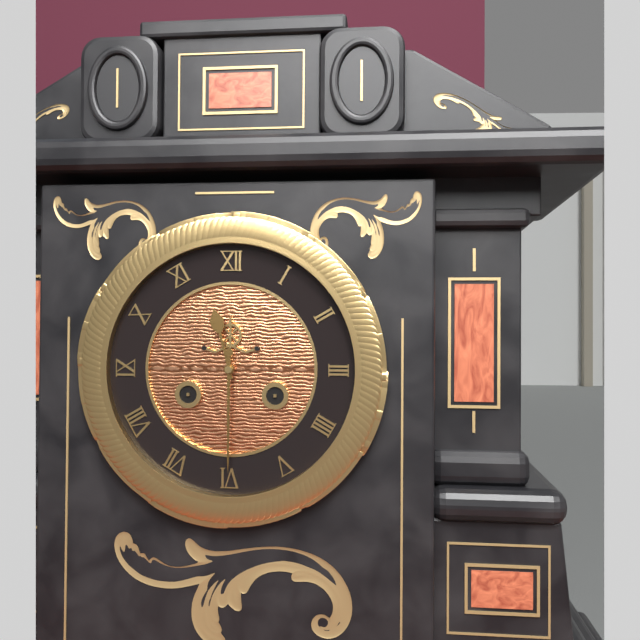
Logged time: 11 h 30 min
